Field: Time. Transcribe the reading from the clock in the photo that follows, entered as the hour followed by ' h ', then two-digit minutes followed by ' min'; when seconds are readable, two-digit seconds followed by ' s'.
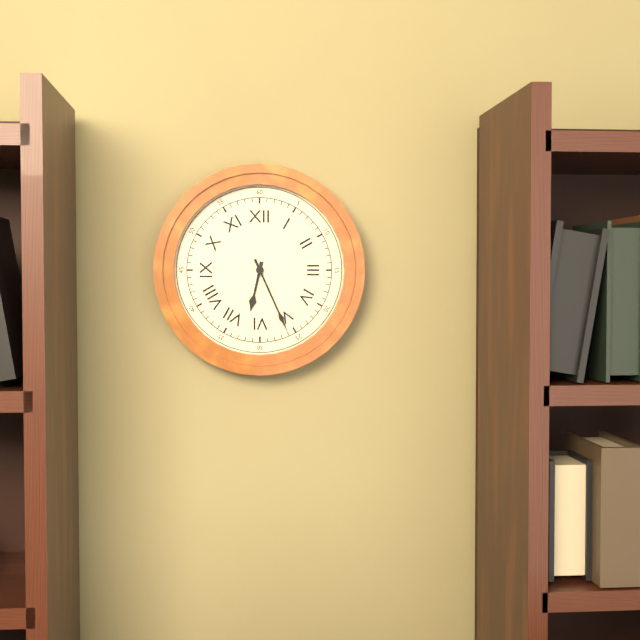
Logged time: 6 h 26 min
